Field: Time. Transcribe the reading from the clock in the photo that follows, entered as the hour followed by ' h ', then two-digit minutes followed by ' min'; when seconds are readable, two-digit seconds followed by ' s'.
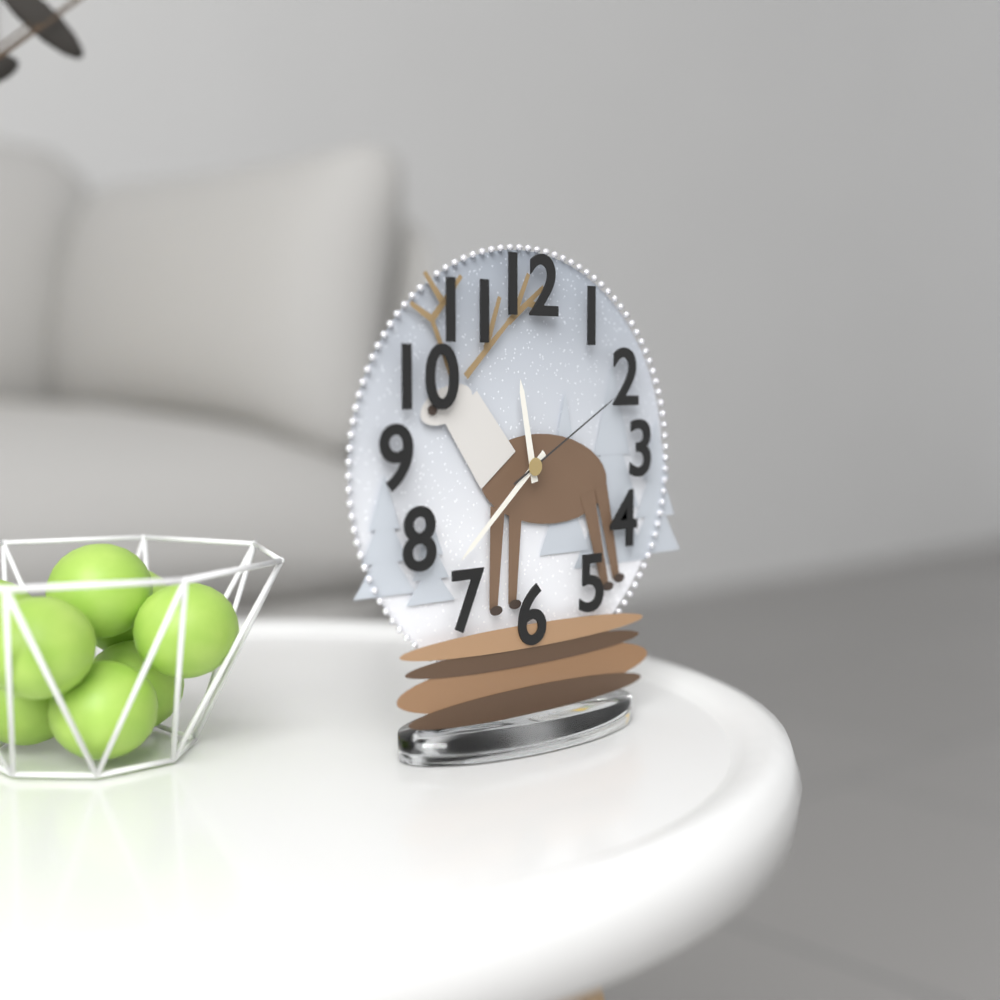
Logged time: 11 h 38 min 10 s
